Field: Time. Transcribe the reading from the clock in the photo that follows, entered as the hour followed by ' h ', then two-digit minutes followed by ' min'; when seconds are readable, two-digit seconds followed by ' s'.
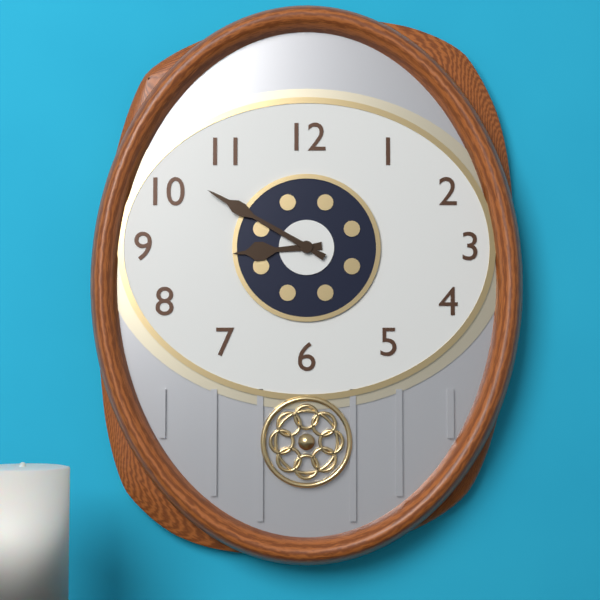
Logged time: 8 h 50 min
